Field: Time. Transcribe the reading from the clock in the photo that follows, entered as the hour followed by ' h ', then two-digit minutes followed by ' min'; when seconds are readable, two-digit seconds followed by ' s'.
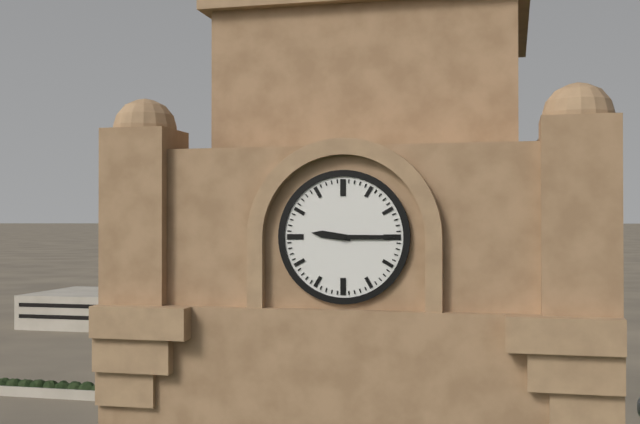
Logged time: 9 h 15 min
